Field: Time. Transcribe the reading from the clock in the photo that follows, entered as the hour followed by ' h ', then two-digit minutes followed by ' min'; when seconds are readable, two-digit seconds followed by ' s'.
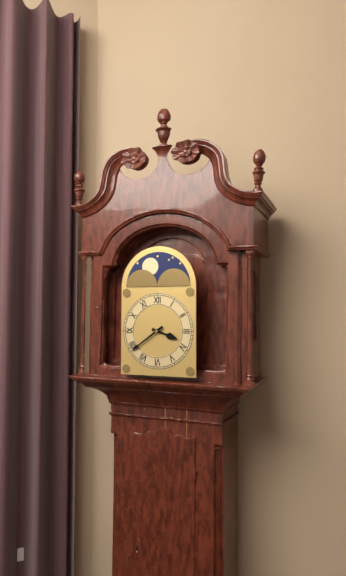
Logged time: 3 h 39 min
